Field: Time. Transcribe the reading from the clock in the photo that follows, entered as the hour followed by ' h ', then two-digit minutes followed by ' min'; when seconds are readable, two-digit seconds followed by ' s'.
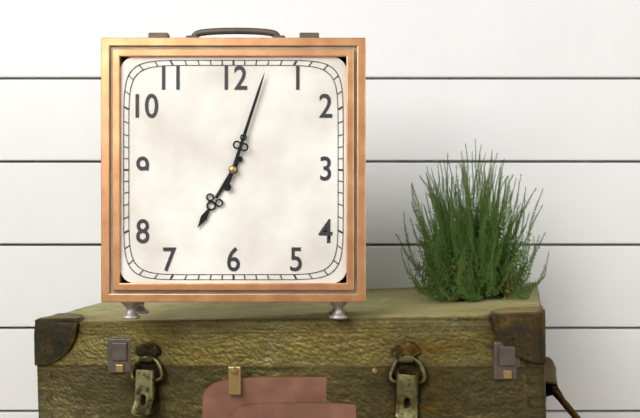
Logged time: 7 h 03 min
